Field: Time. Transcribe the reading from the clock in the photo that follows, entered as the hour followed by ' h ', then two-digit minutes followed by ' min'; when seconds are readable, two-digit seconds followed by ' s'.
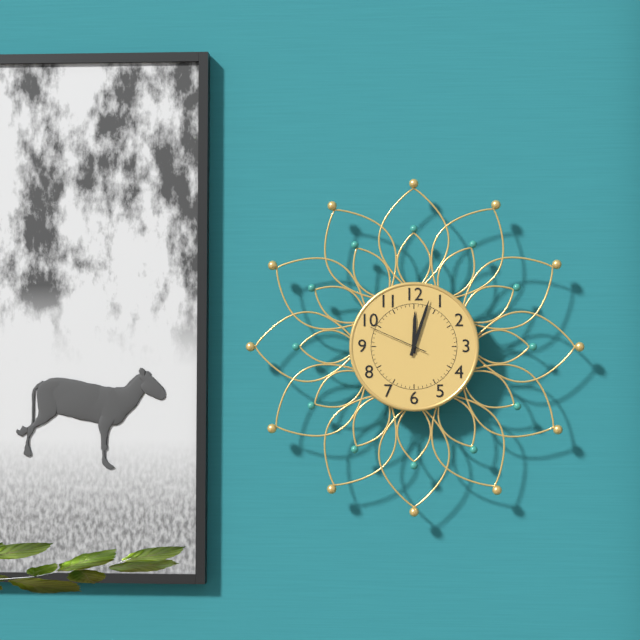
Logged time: 12 h 03 min 49 s
